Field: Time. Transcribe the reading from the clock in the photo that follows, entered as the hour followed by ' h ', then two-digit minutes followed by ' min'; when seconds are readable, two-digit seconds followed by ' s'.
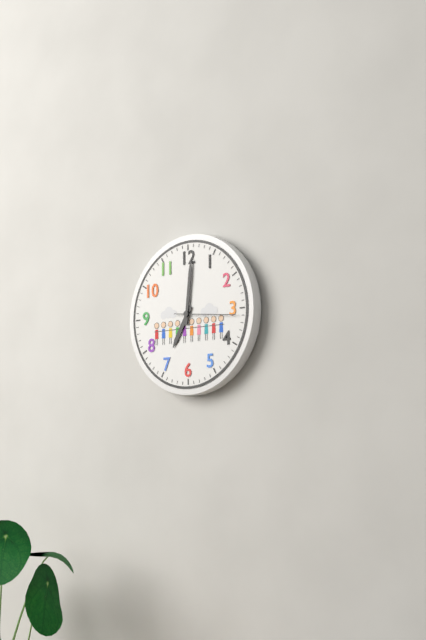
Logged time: 7 h 01 min 16 s
